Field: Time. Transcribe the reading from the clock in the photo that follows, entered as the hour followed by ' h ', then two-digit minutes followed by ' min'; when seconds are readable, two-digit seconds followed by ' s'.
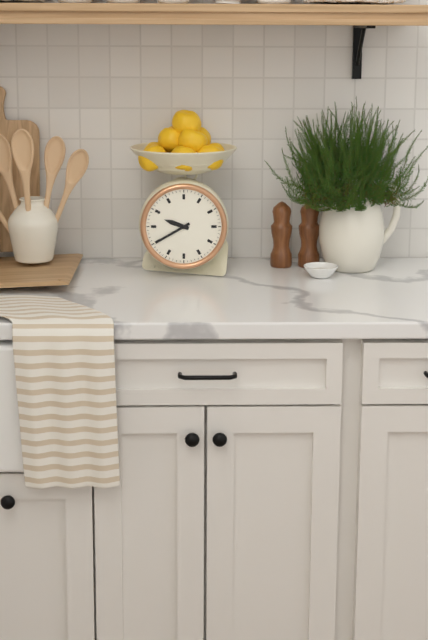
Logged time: 9 h 40 min
